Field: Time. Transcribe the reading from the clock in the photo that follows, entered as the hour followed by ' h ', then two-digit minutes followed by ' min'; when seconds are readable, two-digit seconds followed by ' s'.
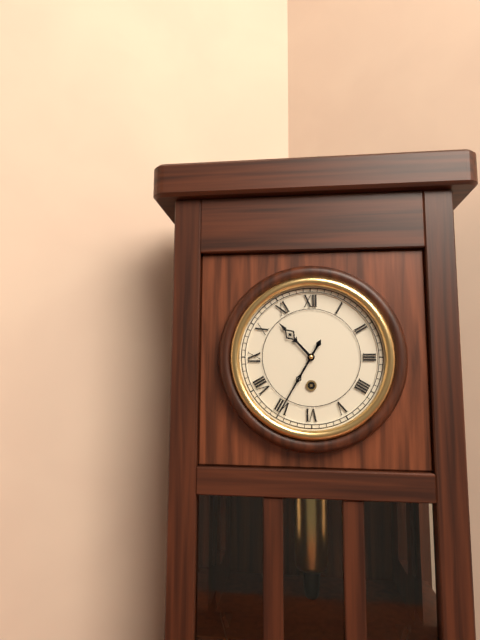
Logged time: 10 h 35 min
